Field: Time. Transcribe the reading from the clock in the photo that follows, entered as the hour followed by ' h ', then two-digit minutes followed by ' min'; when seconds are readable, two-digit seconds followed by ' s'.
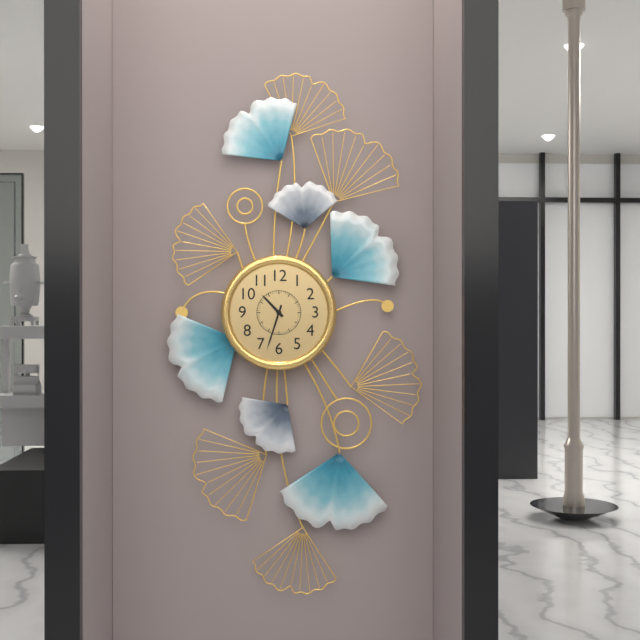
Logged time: 10 h 33 min
